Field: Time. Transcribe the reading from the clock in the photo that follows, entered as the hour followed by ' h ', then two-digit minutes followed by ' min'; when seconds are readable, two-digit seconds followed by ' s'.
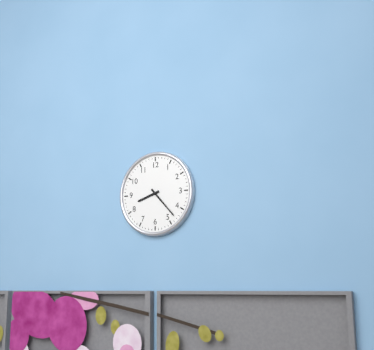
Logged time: 8 h 23 min
